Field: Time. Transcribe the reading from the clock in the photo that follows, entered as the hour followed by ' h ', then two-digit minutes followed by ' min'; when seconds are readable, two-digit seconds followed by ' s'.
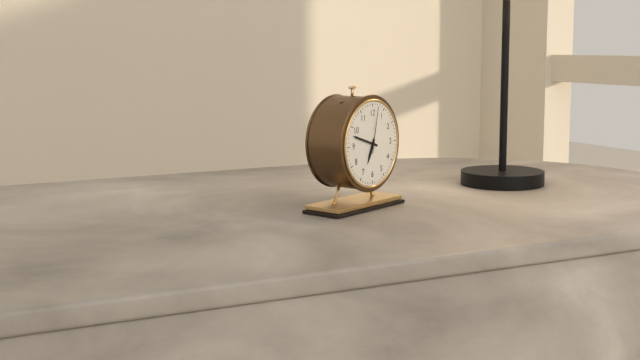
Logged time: 6 h 48 min
